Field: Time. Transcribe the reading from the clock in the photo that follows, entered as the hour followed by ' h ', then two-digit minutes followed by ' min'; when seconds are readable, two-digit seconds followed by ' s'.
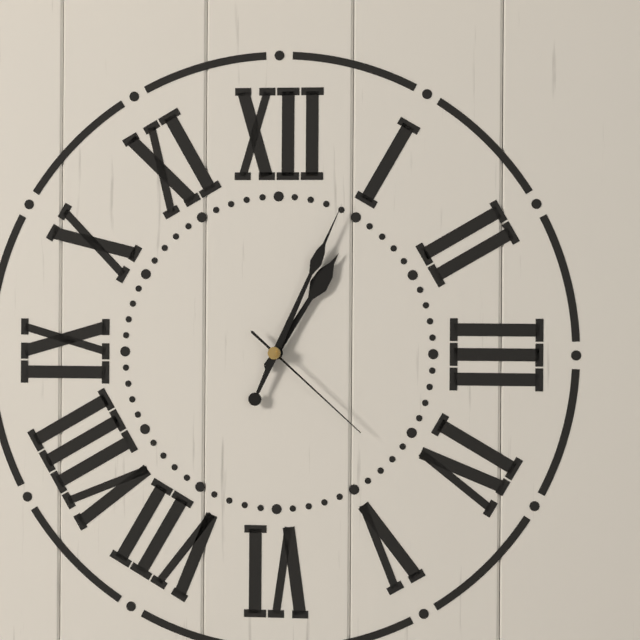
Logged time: 1 h 04 min 22 s
